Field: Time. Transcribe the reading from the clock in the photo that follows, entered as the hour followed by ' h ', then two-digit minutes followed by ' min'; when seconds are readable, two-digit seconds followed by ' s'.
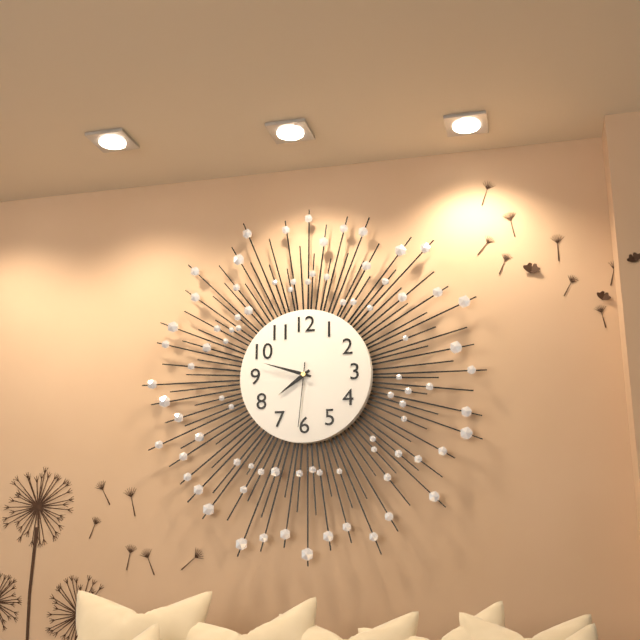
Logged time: 7 h 48 min 31 s
